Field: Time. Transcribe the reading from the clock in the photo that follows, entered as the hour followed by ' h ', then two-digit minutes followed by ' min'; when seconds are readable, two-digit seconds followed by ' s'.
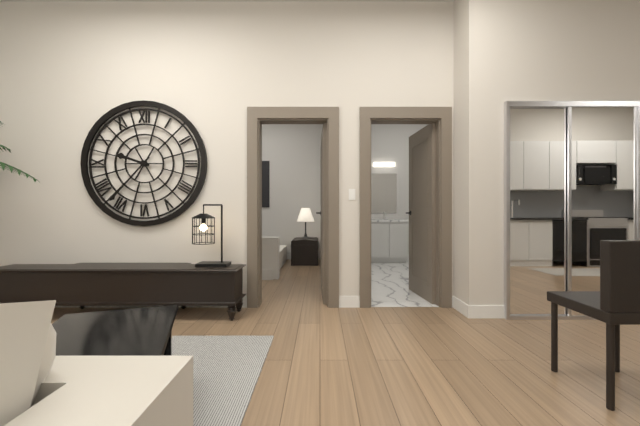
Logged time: 9 h 37 min
